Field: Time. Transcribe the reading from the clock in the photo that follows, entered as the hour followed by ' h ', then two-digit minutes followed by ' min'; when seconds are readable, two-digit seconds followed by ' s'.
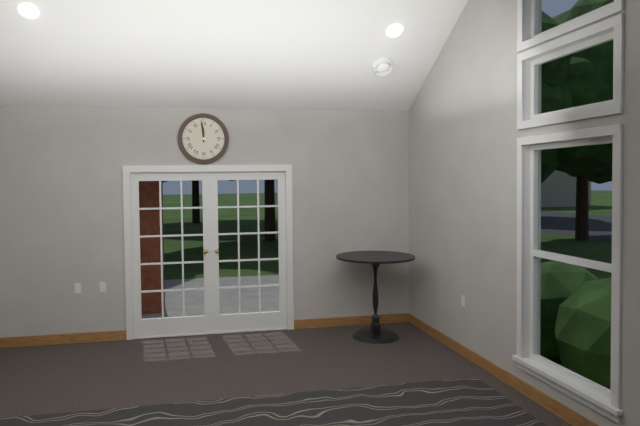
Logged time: 11 h 59 min
